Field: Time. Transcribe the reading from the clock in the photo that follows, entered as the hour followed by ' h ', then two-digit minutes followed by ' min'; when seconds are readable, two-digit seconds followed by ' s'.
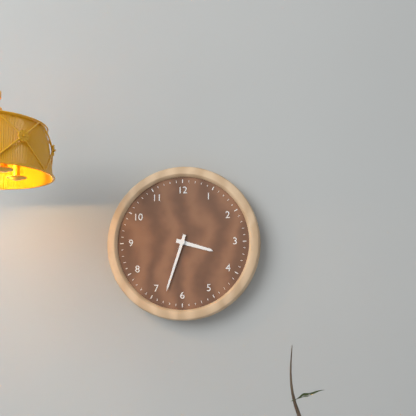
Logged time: 3 h 33 min
